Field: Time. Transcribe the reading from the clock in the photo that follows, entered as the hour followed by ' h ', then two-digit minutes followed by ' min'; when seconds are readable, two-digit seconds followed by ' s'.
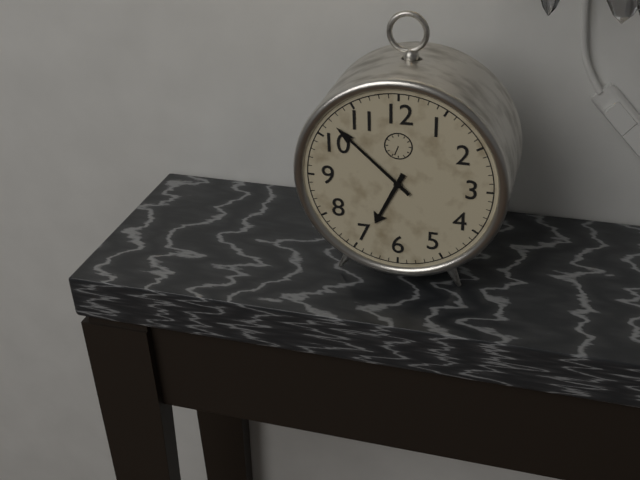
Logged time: 6 h 52 min
